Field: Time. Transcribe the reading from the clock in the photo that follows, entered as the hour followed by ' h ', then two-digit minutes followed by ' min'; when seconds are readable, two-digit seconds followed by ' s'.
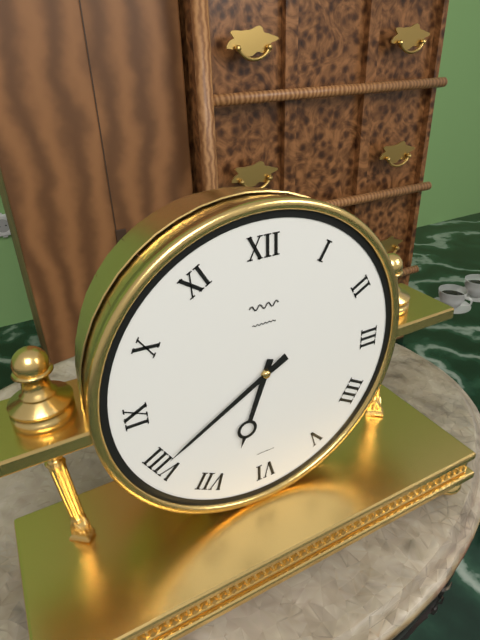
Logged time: 6 h 40 min
